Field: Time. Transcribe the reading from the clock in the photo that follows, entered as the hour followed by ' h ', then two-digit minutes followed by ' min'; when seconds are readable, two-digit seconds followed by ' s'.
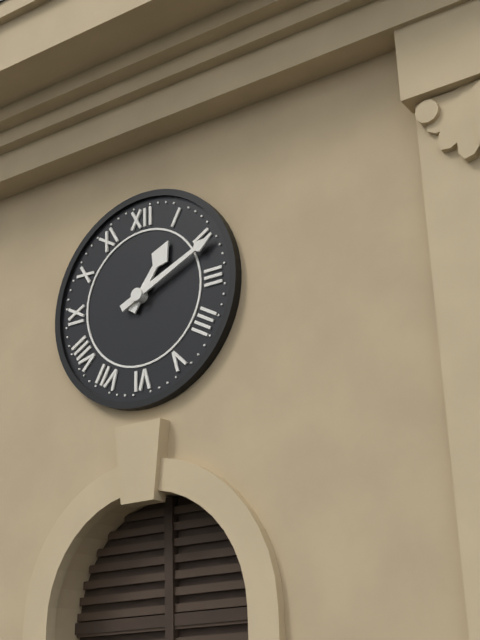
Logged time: 1 h 11 min
